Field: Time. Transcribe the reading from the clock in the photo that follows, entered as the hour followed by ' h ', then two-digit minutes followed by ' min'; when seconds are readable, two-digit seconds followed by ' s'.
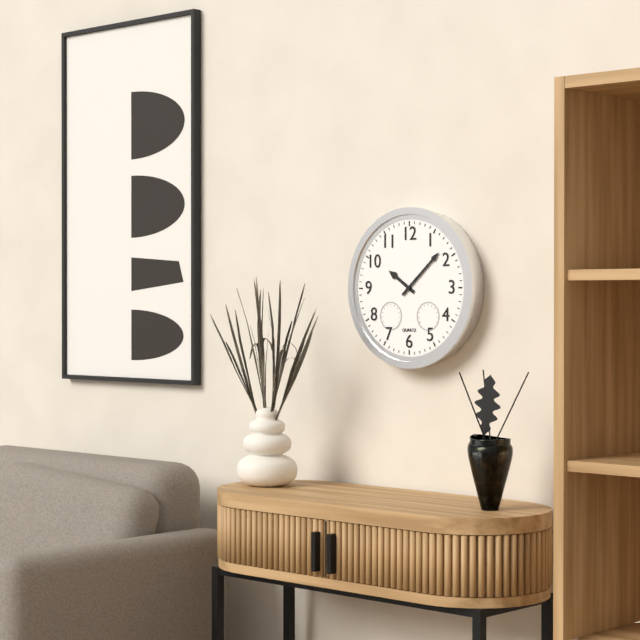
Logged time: 10 h 08 min
